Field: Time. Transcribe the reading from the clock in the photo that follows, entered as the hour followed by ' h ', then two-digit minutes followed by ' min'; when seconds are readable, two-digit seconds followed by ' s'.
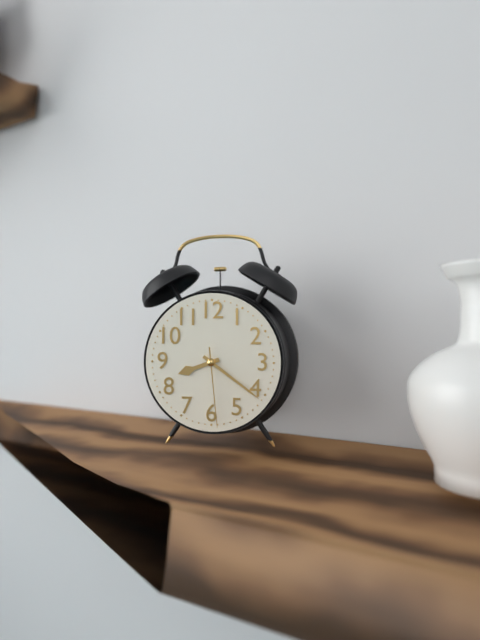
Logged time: 8 h 21 min 29 s
